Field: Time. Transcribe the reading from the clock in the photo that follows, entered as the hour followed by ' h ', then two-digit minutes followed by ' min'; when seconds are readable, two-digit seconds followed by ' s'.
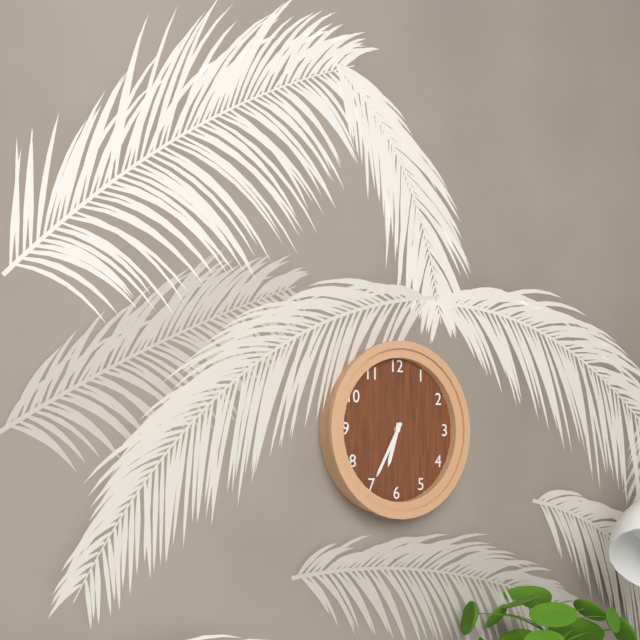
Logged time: 6 h 35 min
